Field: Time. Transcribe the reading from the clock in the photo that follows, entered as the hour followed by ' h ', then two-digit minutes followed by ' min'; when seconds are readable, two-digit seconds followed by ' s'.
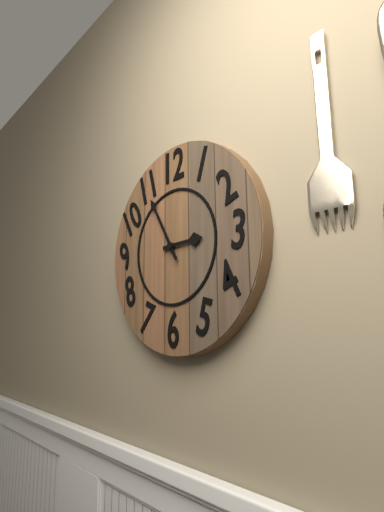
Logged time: 2 h 55 min
